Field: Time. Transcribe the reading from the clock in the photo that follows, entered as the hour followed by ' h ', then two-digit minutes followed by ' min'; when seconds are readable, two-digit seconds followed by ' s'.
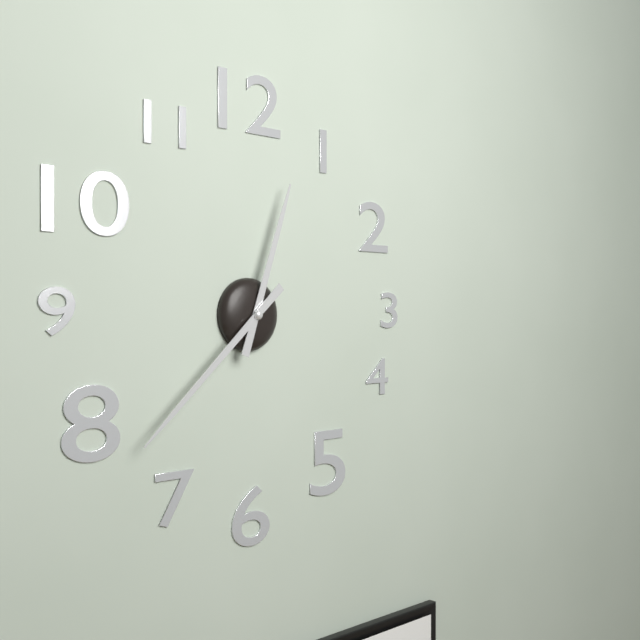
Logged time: 12 h 38 min
